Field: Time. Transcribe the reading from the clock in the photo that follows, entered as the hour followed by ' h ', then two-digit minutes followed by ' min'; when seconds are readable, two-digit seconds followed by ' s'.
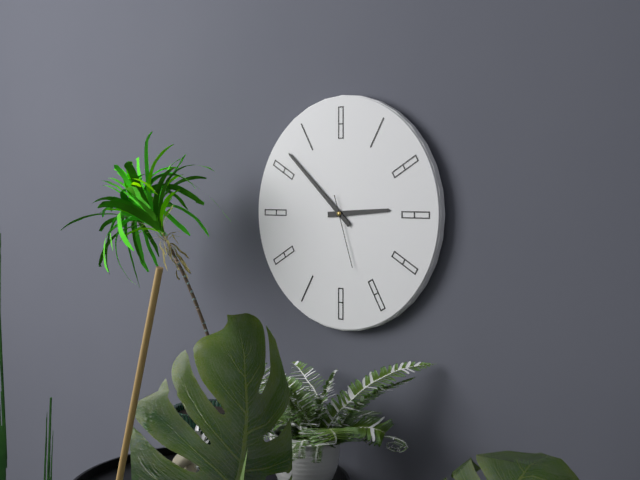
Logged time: 2 h 52 min 27 s
